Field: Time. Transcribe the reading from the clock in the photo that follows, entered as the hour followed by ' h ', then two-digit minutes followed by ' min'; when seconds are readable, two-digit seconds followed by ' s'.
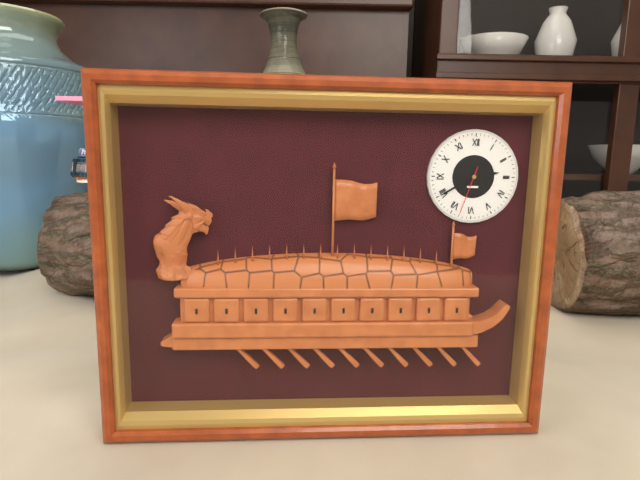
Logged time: 2 h 40 min 33 s
